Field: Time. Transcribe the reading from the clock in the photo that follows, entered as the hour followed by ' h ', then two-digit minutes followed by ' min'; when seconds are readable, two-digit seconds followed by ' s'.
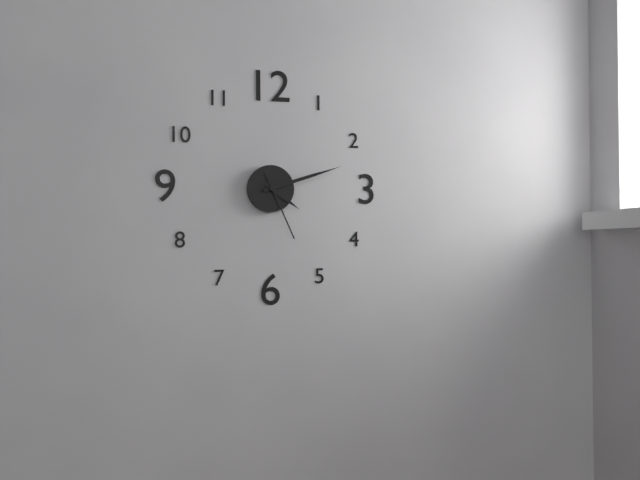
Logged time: 4 h 12 min 26 s
